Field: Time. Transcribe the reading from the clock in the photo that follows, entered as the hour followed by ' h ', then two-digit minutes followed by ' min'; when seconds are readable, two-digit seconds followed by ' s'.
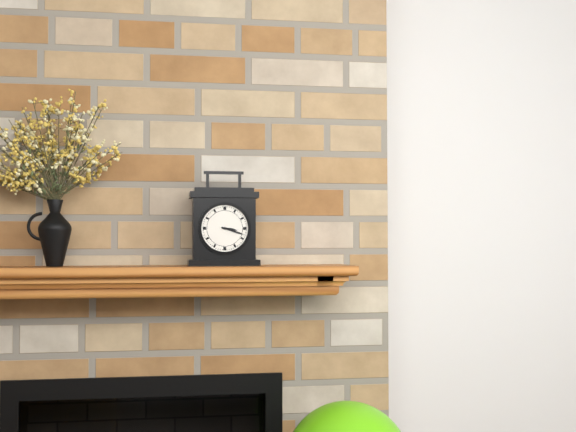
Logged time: 3 h 18 min
